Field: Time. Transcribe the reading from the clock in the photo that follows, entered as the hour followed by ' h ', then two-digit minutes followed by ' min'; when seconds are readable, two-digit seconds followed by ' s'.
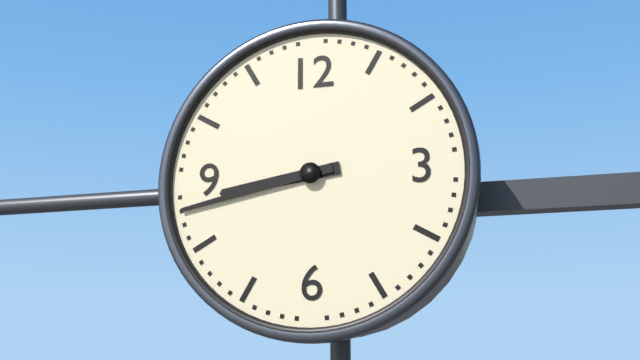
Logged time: 8 h 43 min
